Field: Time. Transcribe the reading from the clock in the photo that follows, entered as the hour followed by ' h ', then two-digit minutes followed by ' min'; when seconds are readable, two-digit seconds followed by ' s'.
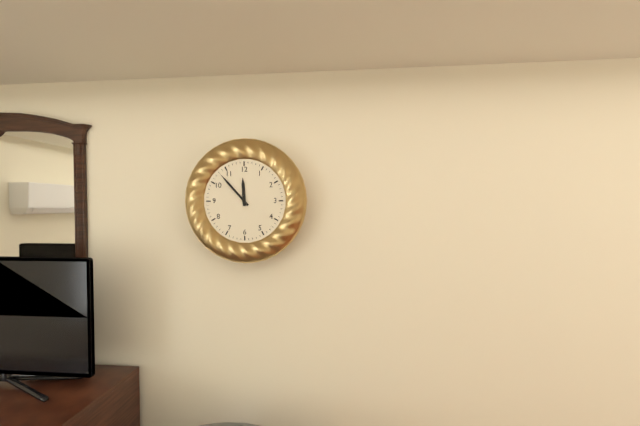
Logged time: 11 h 53 min
